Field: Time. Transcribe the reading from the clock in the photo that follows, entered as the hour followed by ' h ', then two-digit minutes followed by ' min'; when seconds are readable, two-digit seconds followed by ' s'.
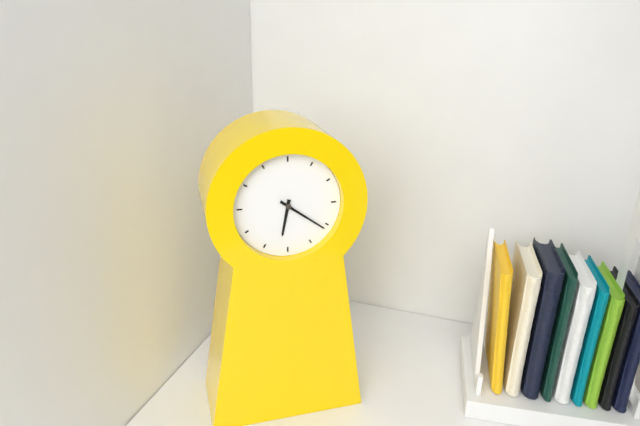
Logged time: 6 h 21 min
